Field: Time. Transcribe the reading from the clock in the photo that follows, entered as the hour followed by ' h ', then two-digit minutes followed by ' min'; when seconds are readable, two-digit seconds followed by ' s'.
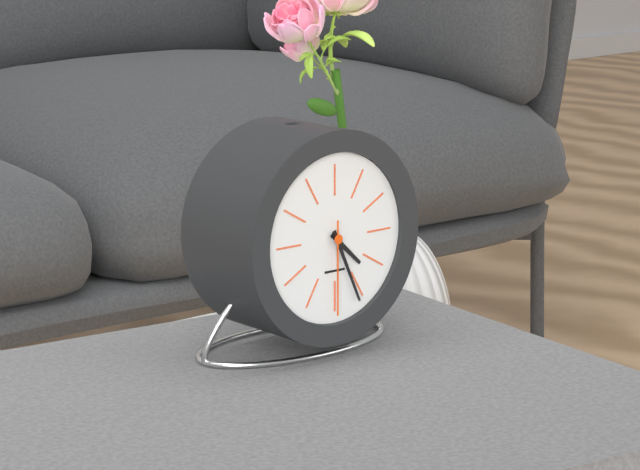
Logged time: 4 h 26 min 30 s
